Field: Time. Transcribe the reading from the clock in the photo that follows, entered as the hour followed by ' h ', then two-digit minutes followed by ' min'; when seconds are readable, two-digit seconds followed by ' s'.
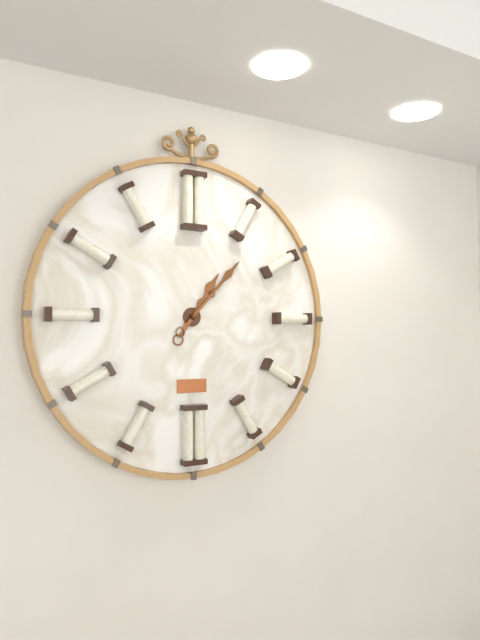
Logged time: 1 h 07 min
